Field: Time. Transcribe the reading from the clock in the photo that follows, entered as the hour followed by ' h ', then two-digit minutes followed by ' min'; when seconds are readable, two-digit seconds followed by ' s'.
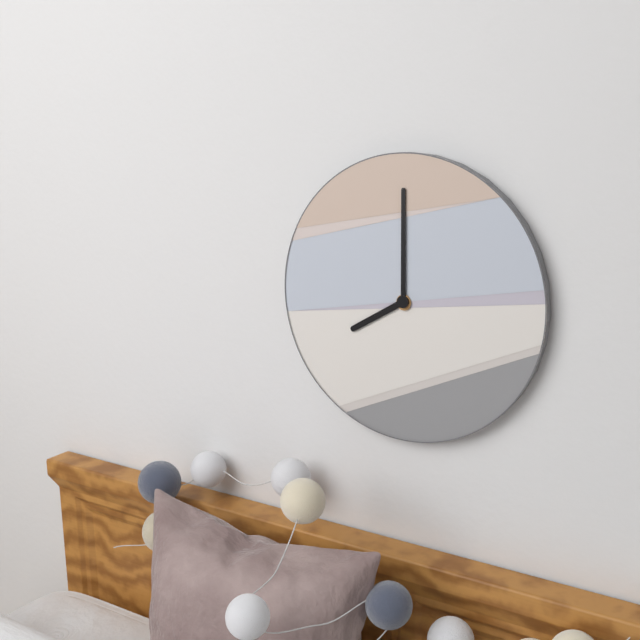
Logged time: 8 h 00 min
